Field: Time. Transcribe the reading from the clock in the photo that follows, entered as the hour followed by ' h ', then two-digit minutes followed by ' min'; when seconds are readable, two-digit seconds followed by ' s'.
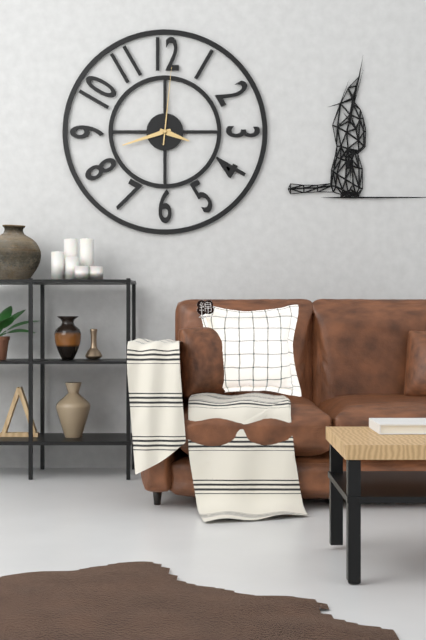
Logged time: 3 h 42 min 01 s
